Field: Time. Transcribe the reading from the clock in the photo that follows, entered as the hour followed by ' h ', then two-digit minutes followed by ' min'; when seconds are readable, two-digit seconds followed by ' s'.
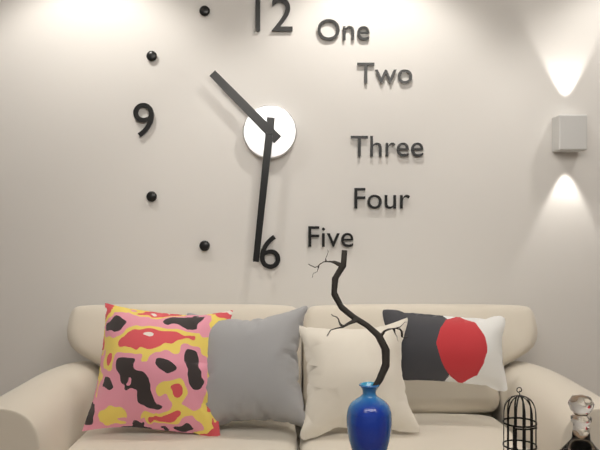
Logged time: 10 h 31 min
